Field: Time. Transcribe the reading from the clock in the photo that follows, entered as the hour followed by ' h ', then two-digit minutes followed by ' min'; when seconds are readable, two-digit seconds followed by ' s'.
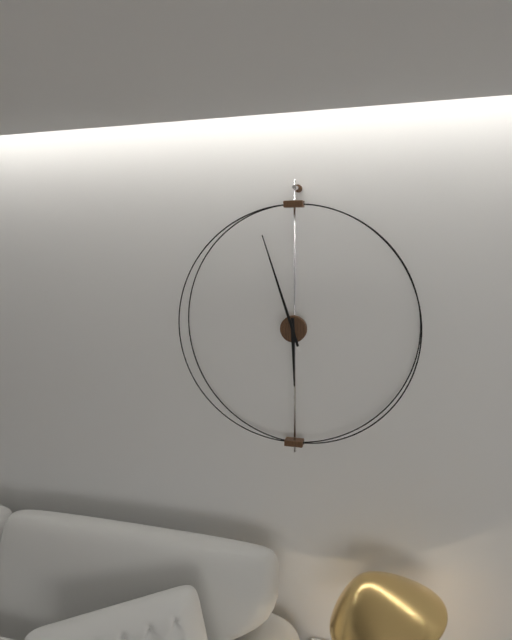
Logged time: 5 h 57 min
